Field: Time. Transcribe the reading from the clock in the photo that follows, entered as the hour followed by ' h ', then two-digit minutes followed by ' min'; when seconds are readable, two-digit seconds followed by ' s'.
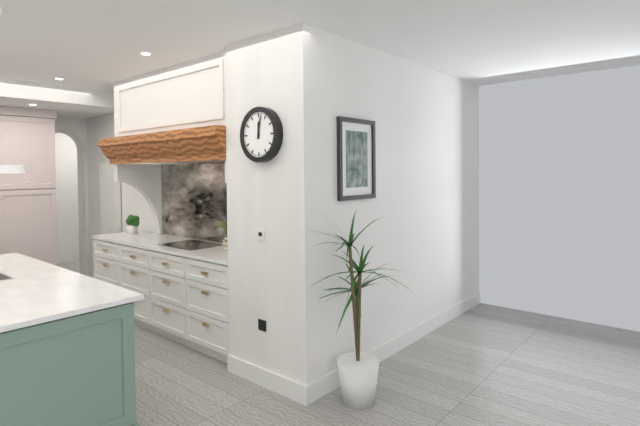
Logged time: 12 h 02 min
